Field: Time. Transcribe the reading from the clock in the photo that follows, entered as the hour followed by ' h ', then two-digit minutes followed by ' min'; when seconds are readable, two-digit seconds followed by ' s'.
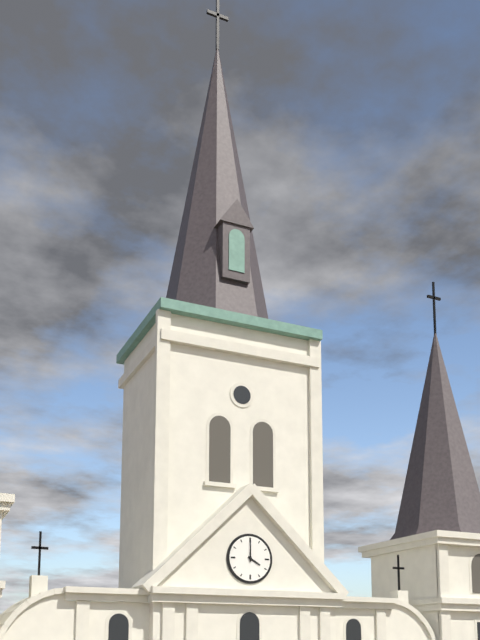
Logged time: 4 h 00 min
